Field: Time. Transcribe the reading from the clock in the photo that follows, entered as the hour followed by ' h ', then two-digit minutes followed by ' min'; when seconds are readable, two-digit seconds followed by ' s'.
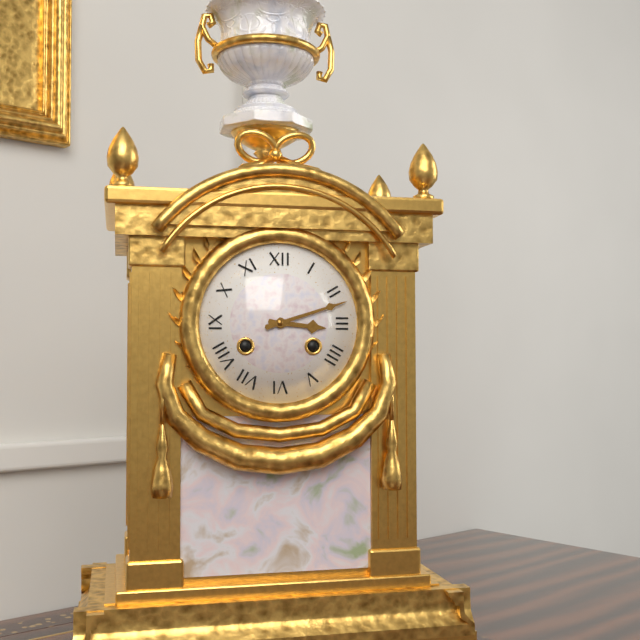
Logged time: 3 h 12 min
